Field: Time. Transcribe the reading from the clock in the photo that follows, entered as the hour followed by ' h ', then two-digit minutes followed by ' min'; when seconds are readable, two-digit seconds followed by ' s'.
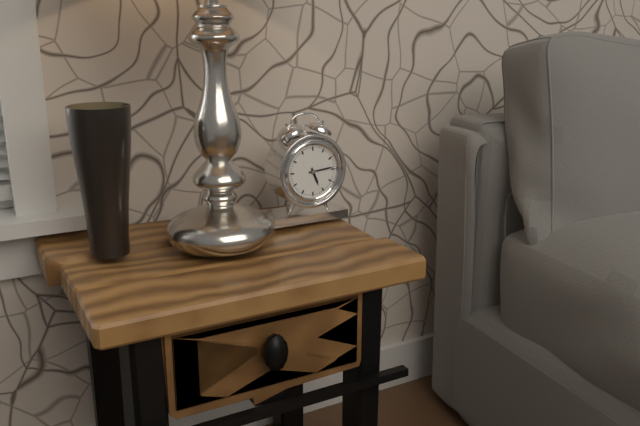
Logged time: 5 h 14 min
